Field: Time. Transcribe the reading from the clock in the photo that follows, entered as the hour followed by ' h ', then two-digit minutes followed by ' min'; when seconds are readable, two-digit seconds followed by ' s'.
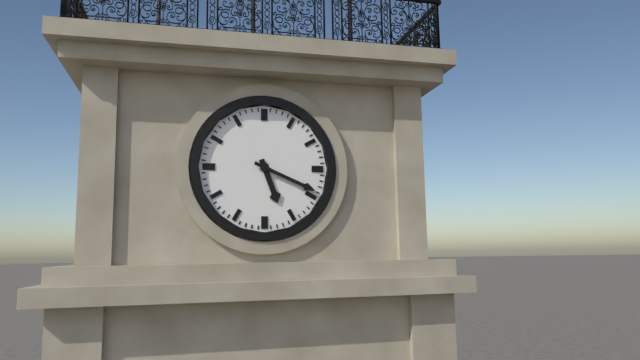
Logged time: 5 h 19 min
